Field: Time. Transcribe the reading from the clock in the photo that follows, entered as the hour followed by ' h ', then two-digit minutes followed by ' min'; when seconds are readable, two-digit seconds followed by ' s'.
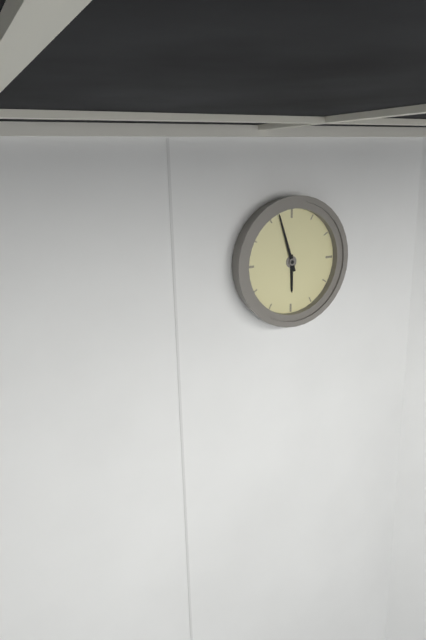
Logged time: 5 h 57 min
